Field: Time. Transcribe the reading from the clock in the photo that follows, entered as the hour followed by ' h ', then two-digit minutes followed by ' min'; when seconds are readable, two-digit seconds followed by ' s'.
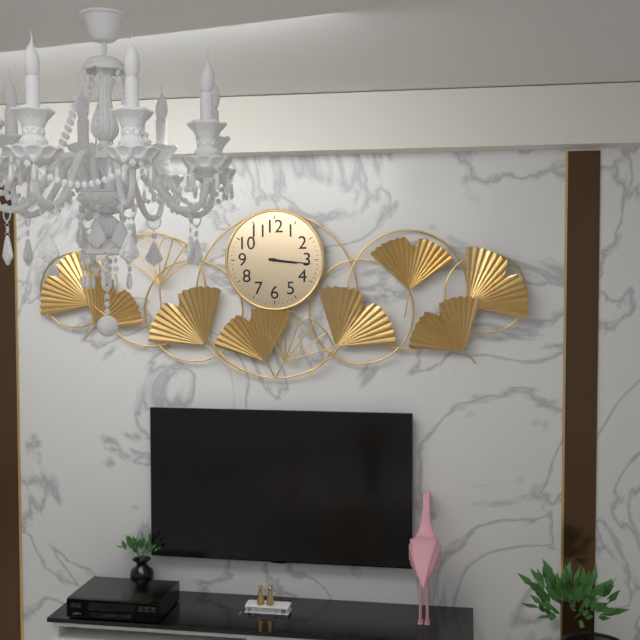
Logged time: 3 h 16 min
